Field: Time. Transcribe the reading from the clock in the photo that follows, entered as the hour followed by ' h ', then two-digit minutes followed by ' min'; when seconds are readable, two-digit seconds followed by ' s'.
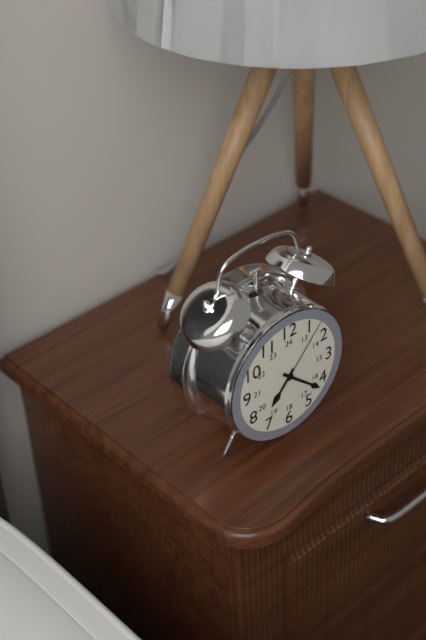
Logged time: 7 h 22 min 07 s
